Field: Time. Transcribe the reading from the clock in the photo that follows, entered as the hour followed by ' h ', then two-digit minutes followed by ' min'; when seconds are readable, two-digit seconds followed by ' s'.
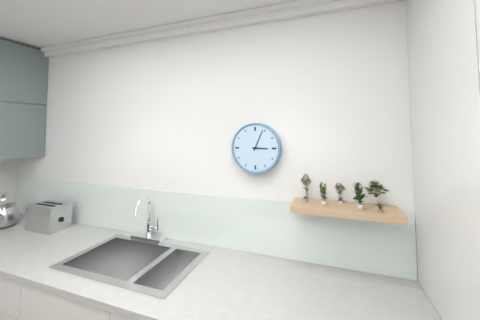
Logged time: 3 h 04 min
